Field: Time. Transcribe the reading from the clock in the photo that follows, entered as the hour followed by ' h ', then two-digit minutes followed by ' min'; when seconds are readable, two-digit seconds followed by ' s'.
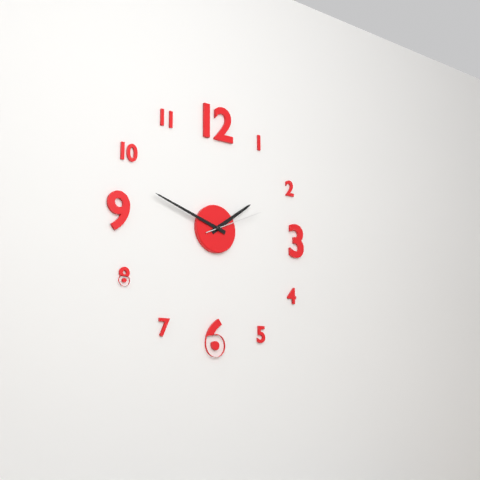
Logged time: 1 h 48 min 11 s
